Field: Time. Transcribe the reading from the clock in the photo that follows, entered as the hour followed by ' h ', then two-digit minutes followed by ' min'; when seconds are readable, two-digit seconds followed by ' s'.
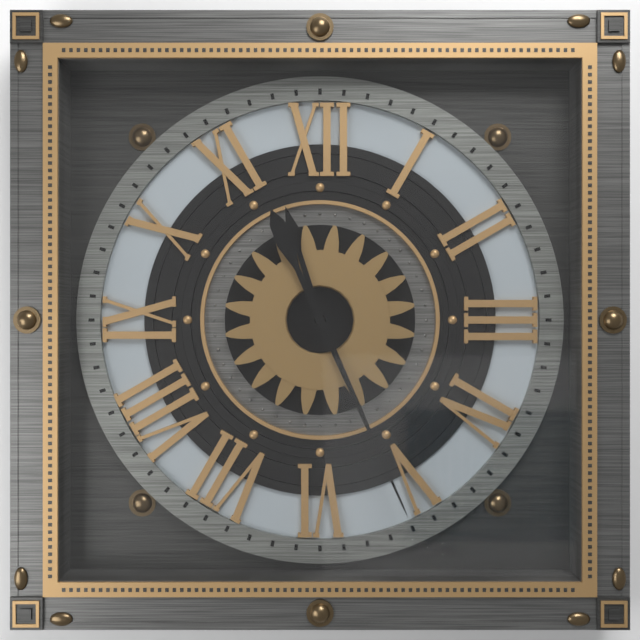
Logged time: 11 h 26 min
